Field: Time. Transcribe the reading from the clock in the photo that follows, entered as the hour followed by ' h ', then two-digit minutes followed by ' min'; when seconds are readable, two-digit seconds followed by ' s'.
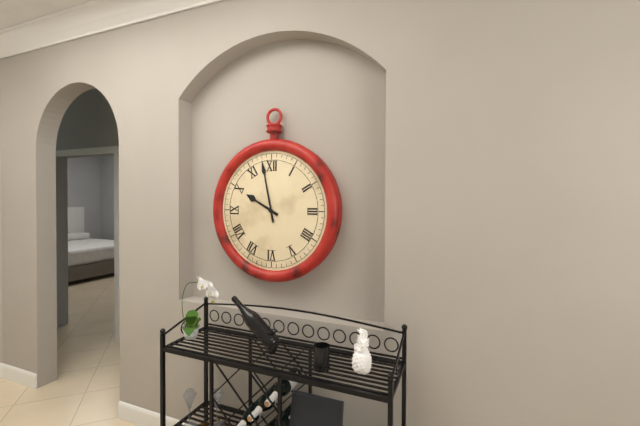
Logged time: 9 h 58 min
